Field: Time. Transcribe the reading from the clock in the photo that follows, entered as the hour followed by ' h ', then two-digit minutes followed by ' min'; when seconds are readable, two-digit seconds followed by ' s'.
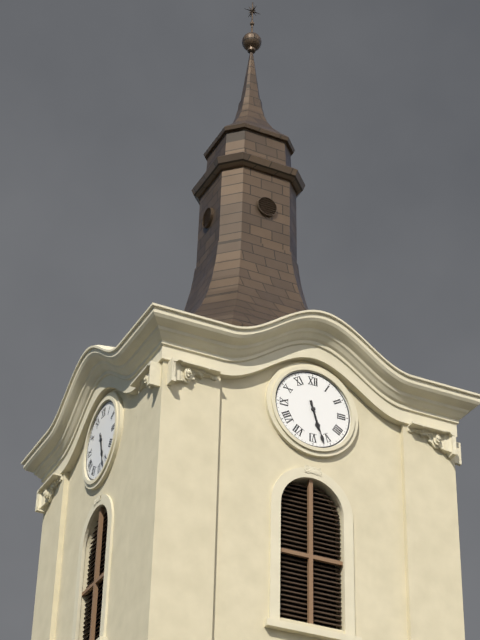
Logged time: 5 h 27 min
